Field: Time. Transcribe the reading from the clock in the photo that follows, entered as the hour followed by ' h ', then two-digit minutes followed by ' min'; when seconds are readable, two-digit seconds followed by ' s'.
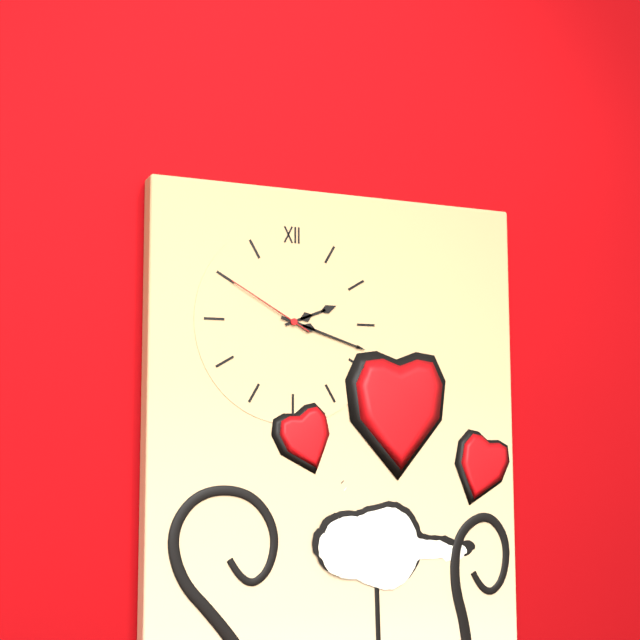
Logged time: 2 h 18 min 50 s
